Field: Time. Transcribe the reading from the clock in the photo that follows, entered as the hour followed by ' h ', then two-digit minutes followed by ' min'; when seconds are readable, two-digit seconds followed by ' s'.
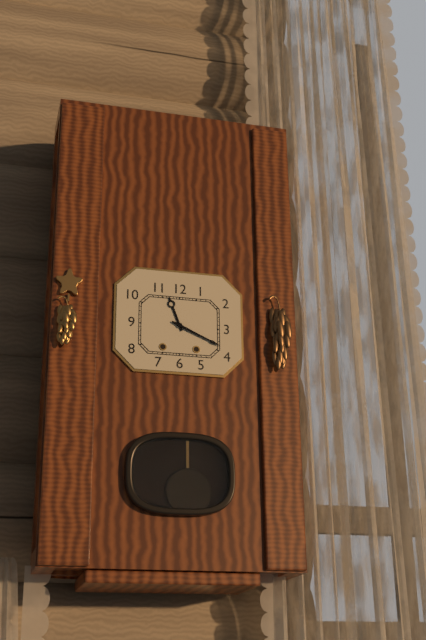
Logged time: 11 h 19 min
